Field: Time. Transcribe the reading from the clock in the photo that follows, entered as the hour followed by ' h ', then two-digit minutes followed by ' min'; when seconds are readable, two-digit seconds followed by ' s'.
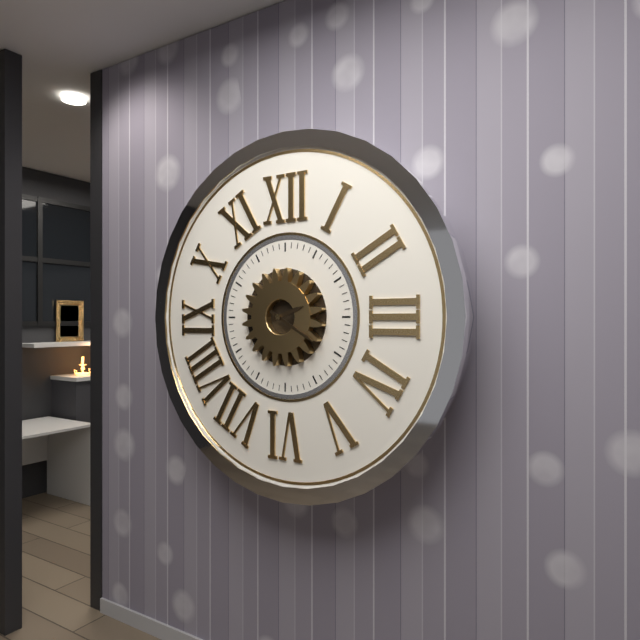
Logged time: 2 h 20 min
